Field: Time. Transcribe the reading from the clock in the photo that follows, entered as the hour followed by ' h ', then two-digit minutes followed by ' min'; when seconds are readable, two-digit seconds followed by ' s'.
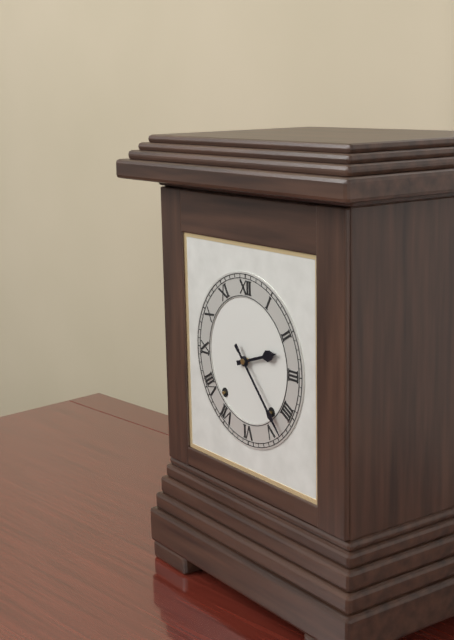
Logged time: 2 h 23 min
